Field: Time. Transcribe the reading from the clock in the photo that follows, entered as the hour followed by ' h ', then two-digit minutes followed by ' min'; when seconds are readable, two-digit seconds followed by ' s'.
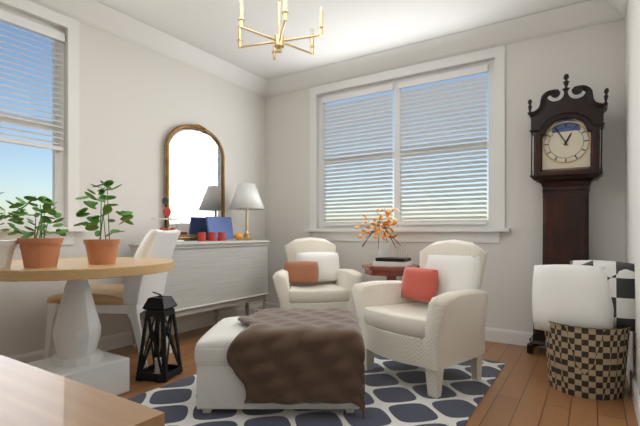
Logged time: 12 h 55 min
